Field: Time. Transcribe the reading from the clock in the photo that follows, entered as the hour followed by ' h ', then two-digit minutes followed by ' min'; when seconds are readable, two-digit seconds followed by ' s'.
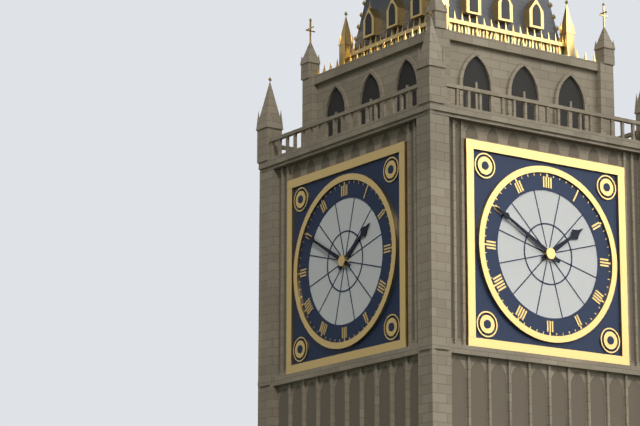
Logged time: 1 h 50 min
